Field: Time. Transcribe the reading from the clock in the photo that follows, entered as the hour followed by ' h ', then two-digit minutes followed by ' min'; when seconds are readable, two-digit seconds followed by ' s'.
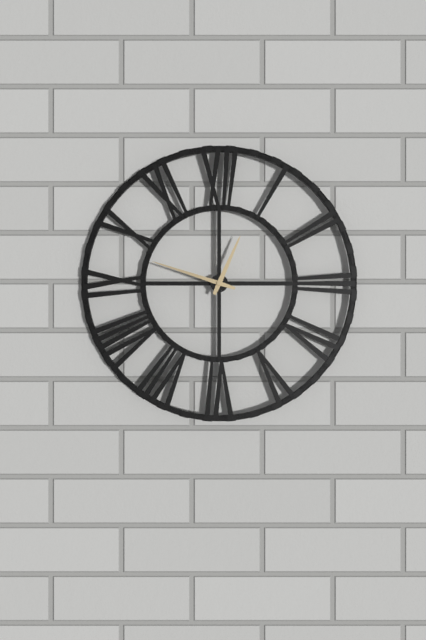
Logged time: 12 h 48 min
